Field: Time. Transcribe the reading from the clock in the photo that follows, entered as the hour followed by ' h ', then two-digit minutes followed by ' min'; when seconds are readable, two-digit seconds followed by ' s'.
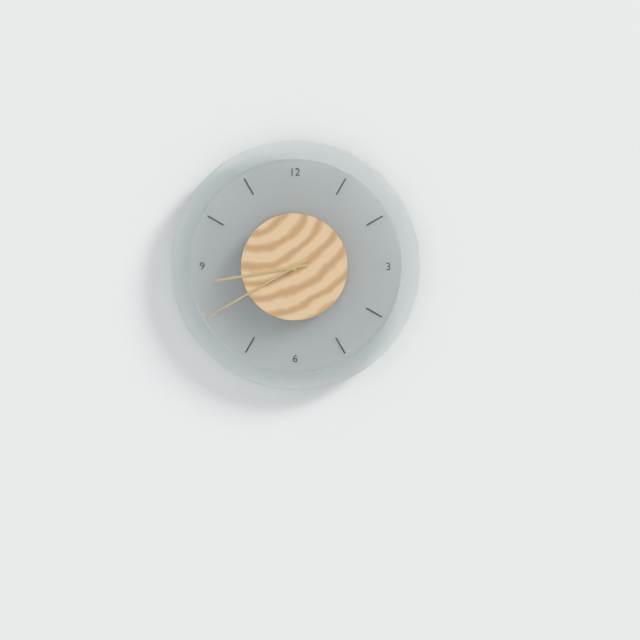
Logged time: 8 h 40 min
